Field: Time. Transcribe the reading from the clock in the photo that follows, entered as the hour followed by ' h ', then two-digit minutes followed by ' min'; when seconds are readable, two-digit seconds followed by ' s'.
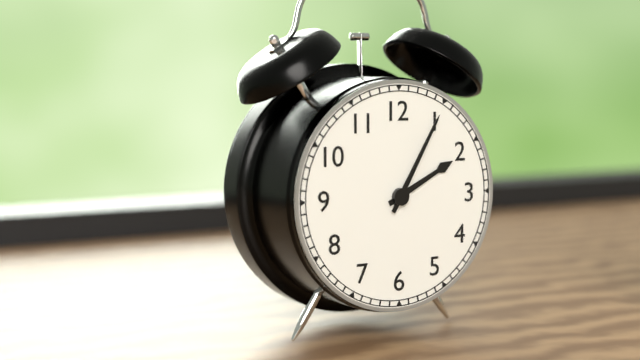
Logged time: 2 h 05 min
